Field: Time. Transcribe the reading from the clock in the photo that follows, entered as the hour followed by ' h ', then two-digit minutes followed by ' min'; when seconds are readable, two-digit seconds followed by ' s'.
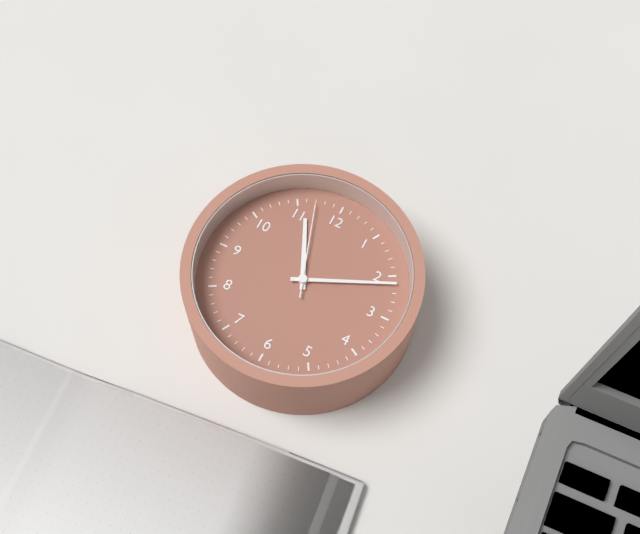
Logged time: 11 h 11 min 57 s
